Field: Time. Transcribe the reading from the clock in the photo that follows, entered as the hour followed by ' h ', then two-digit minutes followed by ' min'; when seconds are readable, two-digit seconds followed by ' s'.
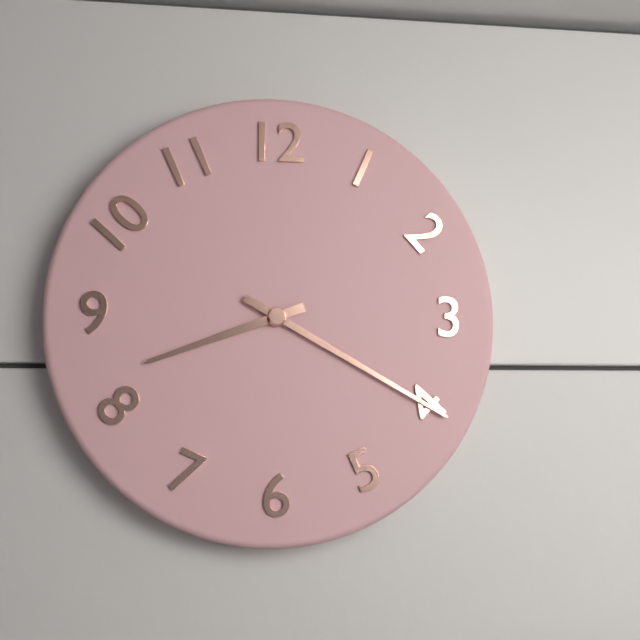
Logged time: 8 h 20 min
